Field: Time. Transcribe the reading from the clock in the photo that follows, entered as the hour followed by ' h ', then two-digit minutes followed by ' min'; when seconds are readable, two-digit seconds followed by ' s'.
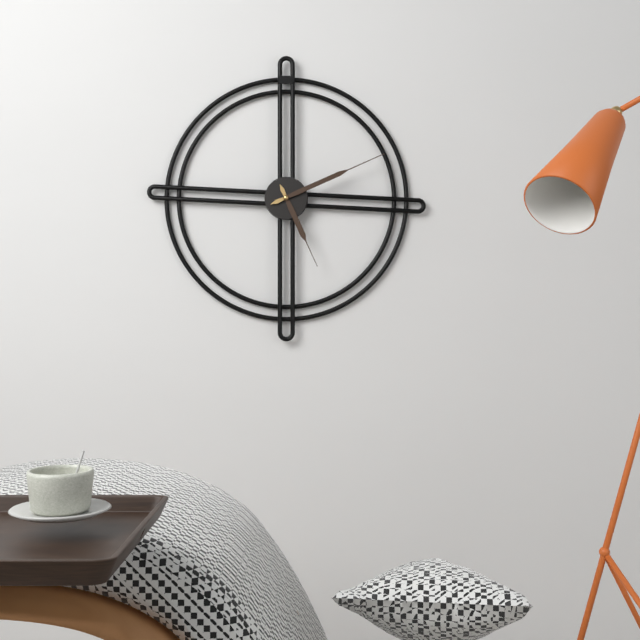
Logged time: 5 h 11 min
